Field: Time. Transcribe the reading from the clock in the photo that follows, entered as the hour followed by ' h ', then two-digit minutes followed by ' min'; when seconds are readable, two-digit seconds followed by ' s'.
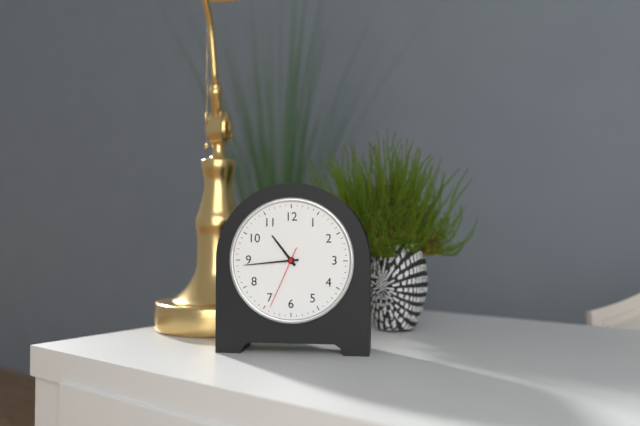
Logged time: 10 h 44 min 34 s
